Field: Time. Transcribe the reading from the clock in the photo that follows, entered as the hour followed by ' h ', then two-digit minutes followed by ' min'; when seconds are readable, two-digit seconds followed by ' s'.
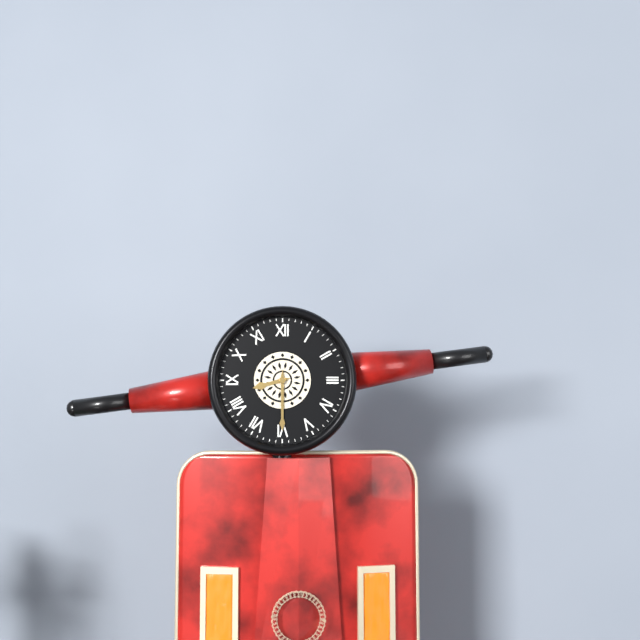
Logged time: 8 h 30 min
